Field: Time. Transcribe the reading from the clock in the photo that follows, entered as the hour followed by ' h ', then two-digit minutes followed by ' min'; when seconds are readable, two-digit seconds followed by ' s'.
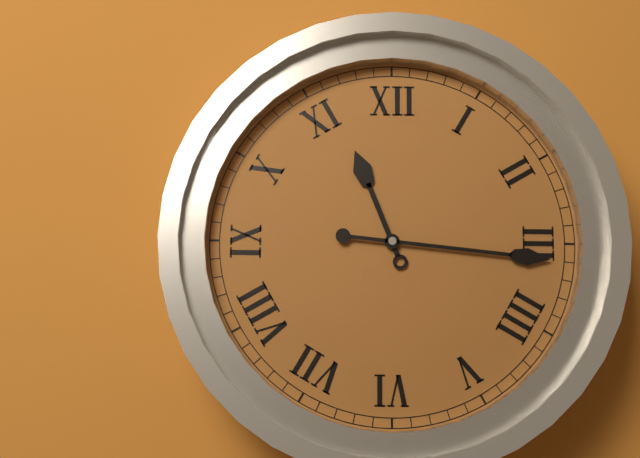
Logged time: 11 h 16 min
